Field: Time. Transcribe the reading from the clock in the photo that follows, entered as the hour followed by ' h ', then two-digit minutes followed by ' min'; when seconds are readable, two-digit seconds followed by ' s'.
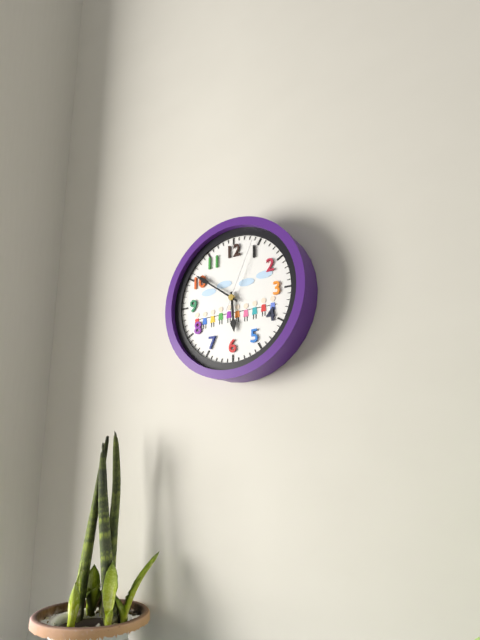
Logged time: 5 h 51 min 04 s
